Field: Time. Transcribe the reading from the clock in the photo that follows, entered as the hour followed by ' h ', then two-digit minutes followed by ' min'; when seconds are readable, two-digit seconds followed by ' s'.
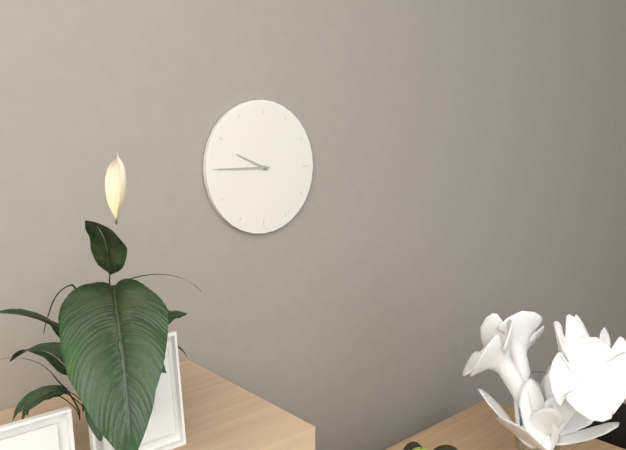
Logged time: 9 h 45 min
